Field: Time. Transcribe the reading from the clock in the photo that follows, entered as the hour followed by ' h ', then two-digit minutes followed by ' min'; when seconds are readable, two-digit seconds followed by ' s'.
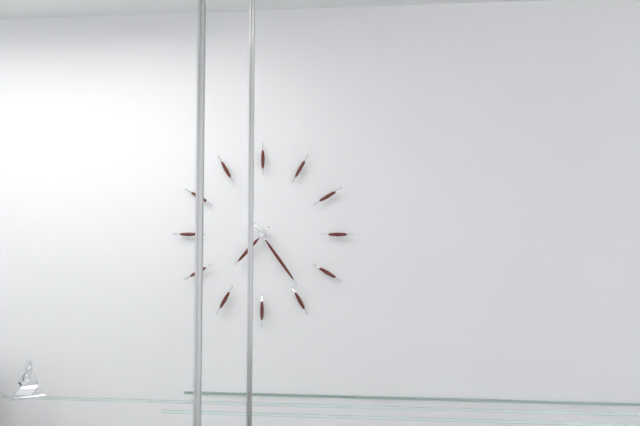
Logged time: 7 h 24 min
